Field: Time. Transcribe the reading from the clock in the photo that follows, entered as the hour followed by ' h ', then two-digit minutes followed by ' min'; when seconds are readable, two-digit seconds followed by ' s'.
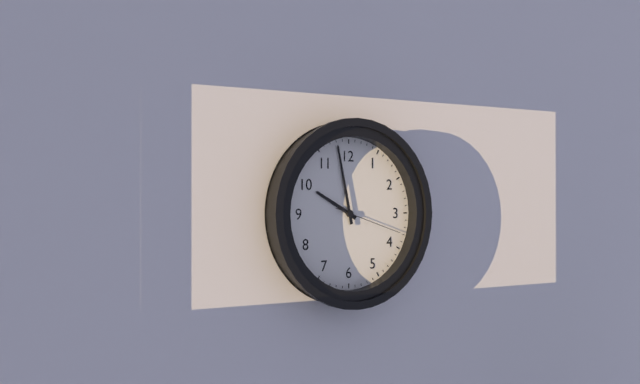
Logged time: 9 h 58 min 18 s
